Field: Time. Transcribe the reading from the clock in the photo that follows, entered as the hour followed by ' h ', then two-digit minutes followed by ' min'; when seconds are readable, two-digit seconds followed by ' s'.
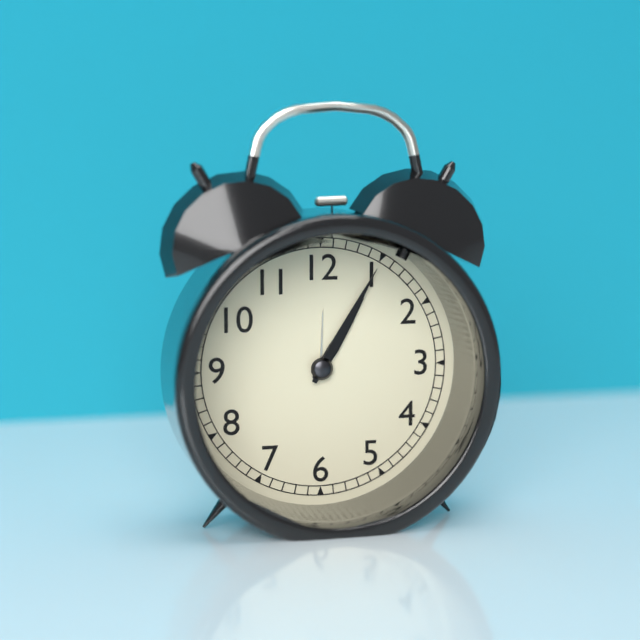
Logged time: 1 h 05 min
